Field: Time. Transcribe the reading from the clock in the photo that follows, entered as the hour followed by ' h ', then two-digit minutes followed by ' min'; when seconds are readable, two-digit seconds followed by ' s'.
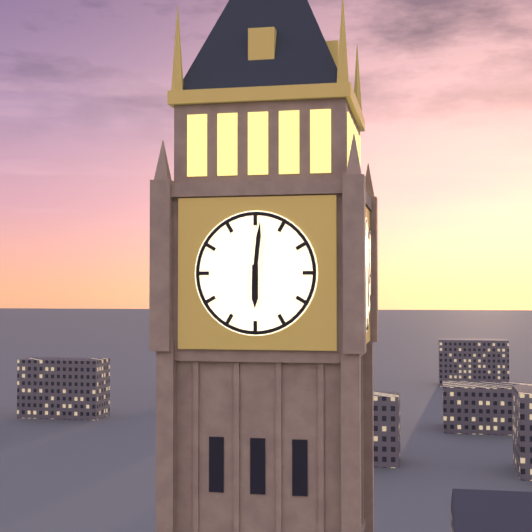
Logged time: 6 h 01 min
